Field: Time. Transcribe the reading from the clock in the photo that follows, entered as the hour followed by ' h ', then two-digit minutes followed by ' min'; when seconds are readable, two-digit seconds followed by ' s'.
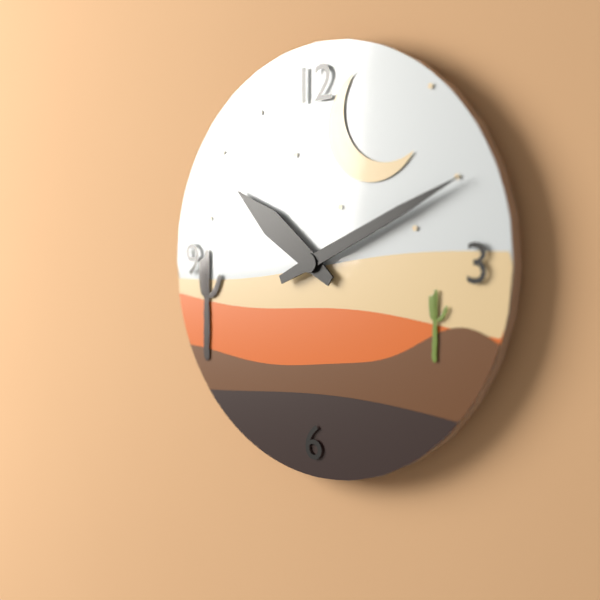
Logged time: 10 h 11 min
